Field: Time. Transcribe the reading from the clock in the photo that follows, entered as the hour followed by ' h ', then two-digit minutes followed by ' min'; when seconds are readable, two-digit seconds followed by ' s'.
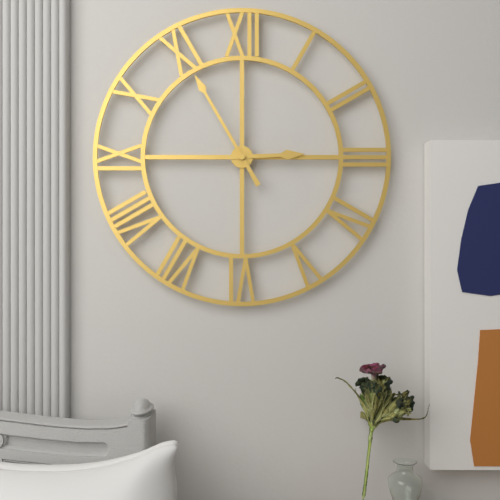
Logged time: 2 h 55 min
